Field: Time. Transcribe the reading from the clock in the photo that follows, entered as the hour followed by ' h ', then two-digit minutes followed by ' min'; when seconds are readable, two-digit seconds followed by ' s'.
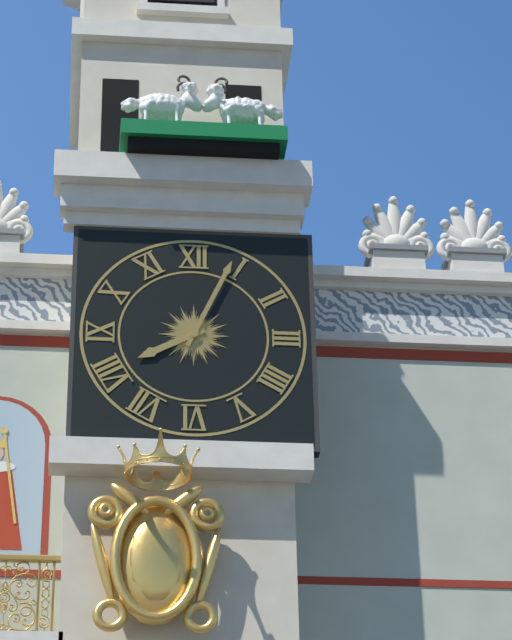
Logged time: 8 h 04 min
